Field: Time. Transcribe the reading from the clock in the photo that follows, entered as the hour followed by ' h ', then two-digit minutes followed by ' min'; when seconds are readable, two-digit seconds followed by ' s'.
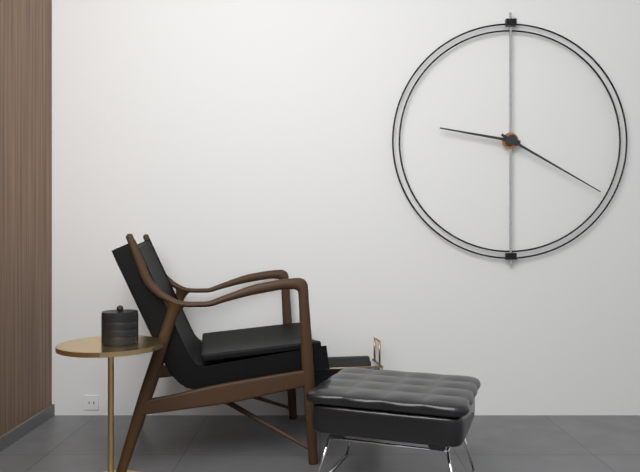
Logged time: 9 h 20 min
